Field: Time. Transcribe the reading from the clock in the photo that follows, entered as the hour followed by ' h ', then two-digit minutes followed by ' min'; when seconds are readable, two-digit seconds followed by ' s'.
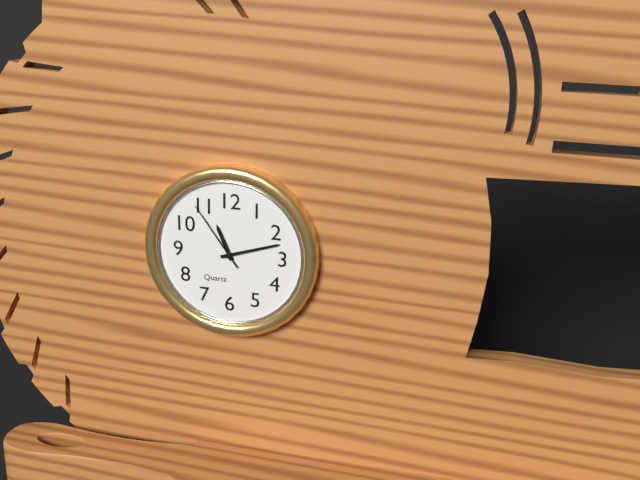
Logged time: 11 h 12 min 54 s
